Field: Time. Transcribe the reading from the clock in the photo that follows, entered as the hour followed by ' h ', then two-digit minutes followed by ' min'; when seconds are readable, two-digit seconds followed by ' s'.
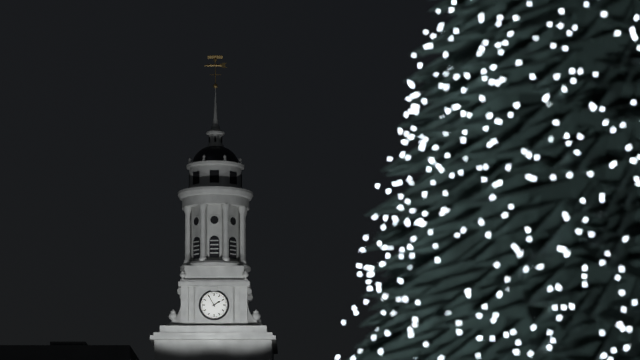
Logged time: 1 h 55 min
